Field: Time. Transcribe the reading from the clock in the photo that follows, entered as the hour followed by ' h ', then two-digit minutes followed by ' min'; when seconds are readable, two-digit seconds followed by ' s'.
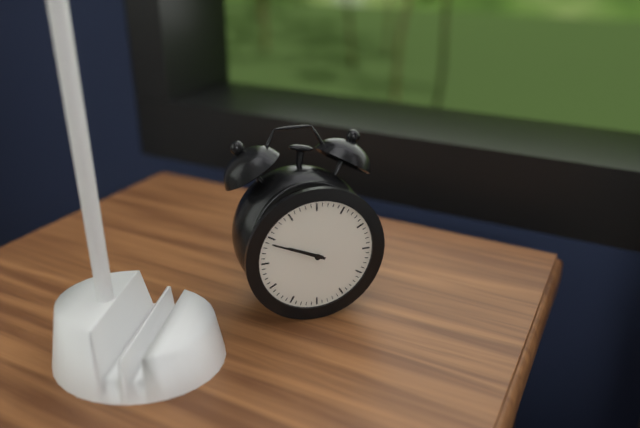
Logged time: 9 h 49 min
